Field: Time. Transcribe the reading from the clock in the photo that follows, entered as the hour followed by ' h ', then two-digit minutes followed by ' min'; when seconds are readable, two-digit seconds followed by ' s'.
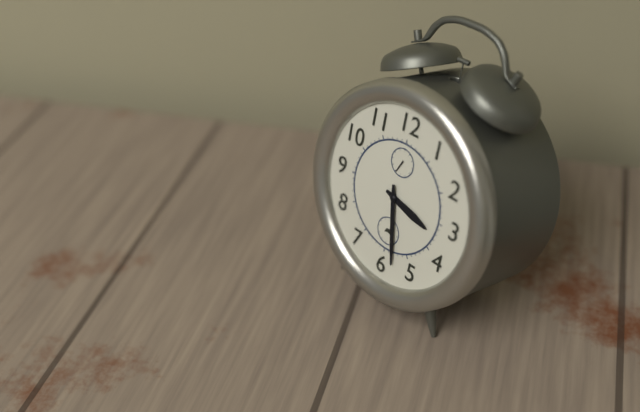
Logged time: 3 h 28 min
